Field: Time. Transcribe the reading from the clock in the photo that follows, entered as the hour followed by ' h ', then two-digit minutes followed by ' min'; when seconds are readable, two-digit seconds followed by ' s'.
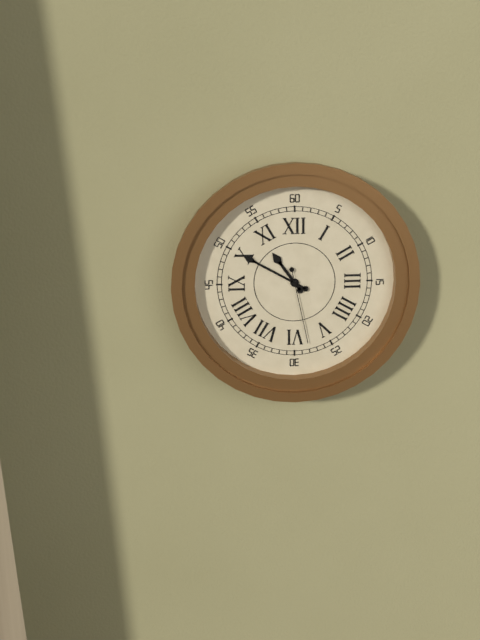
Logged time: 10 h 50 min 28 s
